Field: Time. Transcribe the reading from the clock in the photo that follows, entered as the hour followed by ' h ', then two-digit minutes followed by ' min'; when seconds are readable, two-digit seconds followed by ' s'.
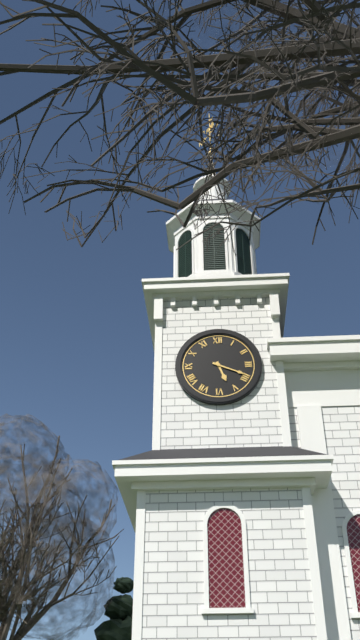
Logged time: 5 h 19 min
